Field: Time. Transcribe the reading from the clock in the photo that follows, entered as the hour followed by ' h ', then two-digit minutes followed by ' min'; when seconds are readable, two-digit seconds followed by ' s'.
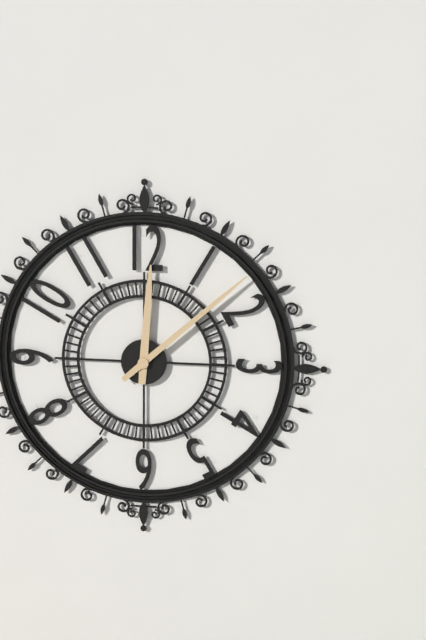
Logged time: 12 h 08 min
